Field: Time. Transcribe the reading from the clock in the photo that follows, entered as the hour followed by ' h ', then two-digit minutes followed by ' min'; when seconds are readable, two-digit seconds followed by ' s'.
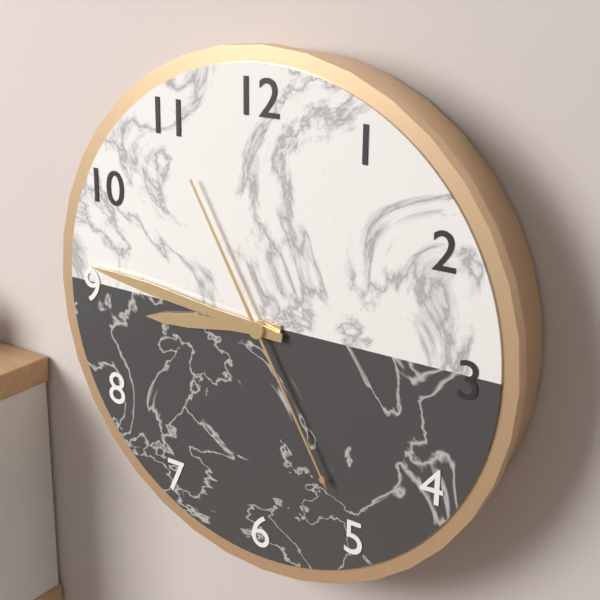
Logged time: 8 h 46 min 25 s
